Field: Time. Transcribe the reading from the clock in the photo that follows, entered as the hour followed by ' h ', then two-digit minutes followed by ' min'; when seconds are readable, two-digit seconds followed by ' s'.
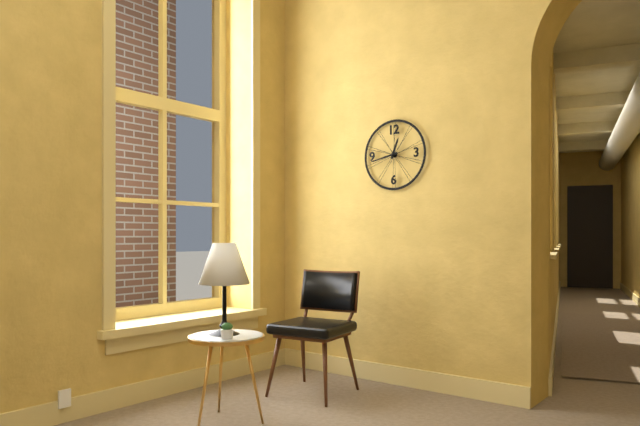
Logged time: 12 h 43 min
